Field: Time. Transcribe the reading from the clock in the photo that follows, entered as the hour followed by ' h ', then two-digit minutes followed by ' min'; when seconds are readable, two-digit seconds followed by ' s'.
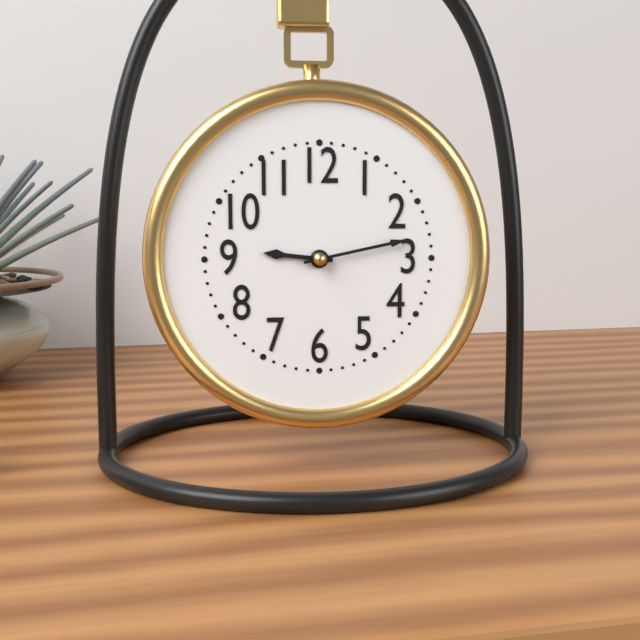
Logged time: 9 h 13 min
